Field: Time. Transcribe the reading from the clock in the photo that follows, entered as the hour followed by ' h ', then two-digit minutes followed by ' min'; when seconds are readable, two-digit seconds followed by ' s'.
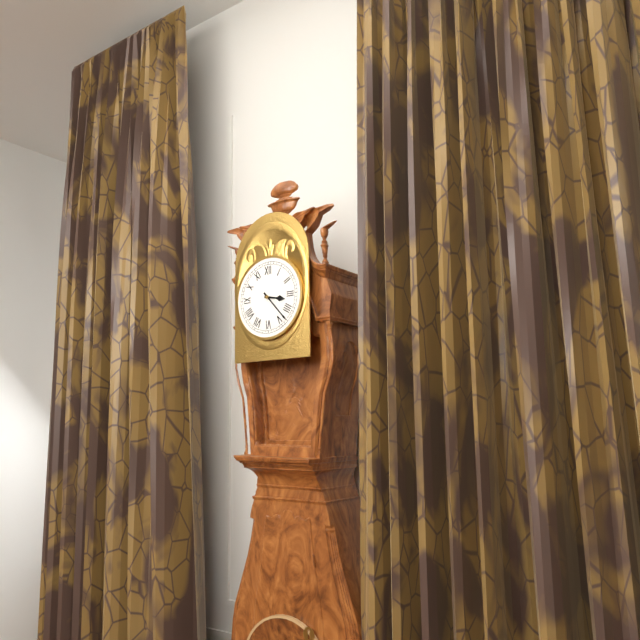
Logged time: 3 h 23 min
